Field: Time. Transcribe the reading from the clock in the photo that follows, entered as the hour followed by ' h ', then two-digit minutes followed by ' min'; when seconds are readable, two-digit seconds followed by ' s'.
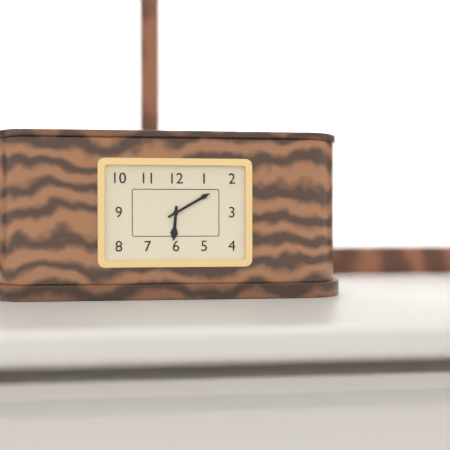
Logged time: 6 h 10 min
